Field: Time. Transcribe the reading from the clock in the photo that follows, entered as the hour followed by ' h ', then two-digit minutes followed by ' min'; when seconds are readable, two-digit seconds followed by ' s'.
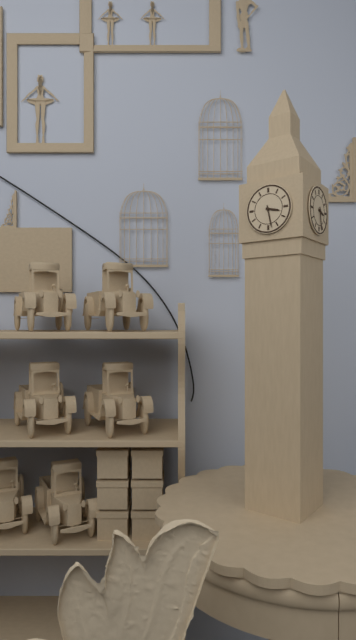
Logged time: 3 h 28 min
